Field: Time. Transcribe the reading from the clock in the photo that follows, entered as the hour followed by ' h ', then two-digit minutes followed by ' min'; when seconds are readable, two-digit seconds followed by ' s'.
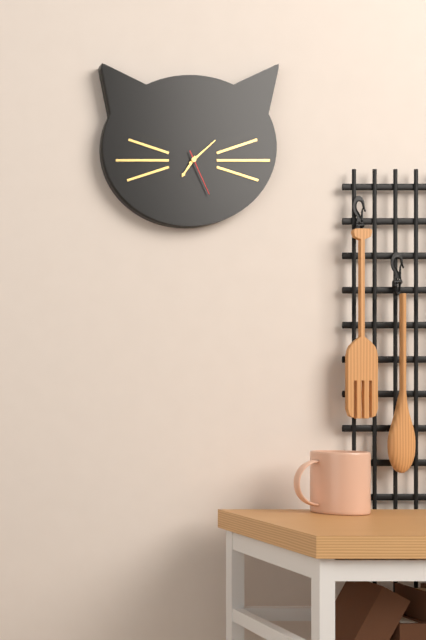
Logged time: 7 h 08 min
